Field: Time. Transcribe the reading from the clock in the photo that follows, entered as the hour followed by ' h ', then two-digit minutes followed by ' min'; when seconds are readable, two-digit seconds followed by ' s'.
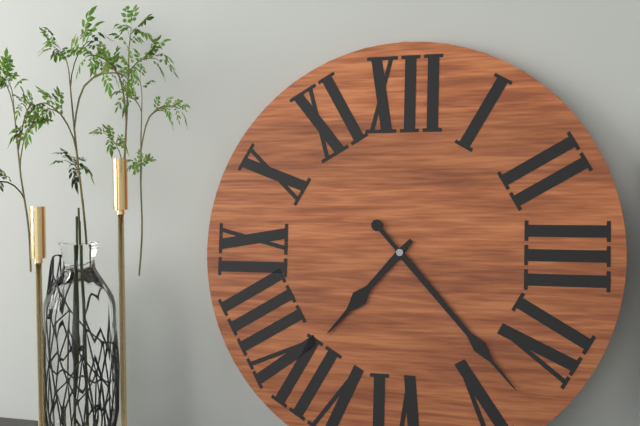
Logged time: 7 h 23 min
